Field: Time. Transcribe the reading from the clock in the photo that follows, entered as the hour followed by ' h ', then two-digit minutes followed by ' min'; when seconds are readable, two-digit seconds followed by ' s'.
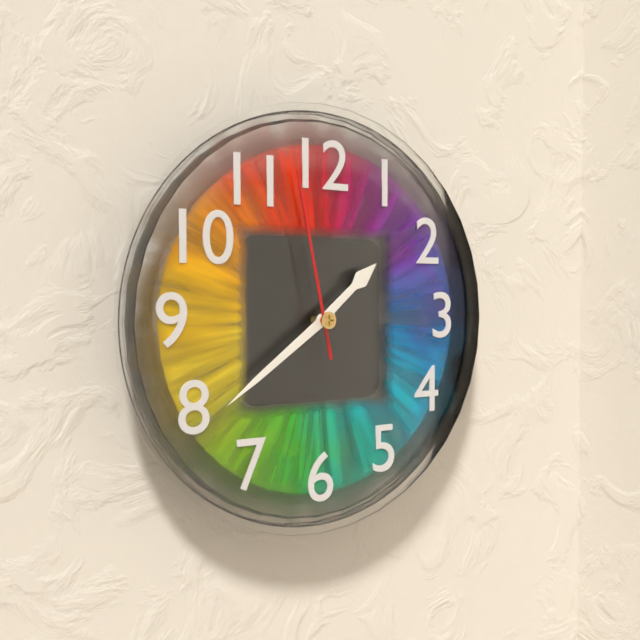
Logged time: 1 h 39 min 58 s
